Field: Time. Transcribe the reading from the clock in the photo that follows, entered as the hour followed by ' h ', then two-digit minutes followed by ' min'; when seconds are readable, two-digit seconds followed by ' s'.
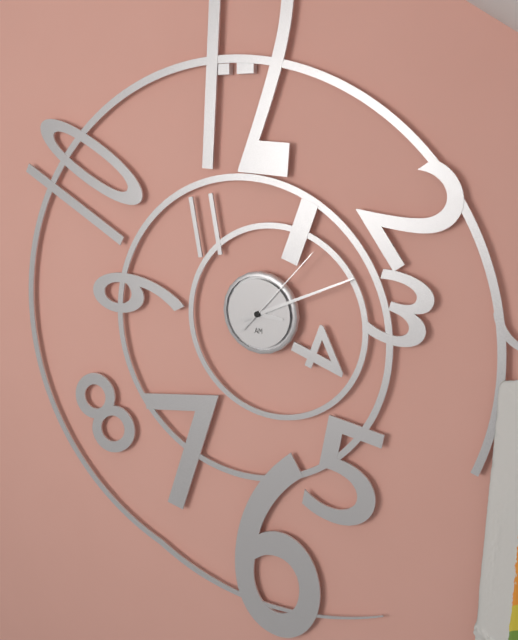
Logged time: 3 h 11 min 07 s
